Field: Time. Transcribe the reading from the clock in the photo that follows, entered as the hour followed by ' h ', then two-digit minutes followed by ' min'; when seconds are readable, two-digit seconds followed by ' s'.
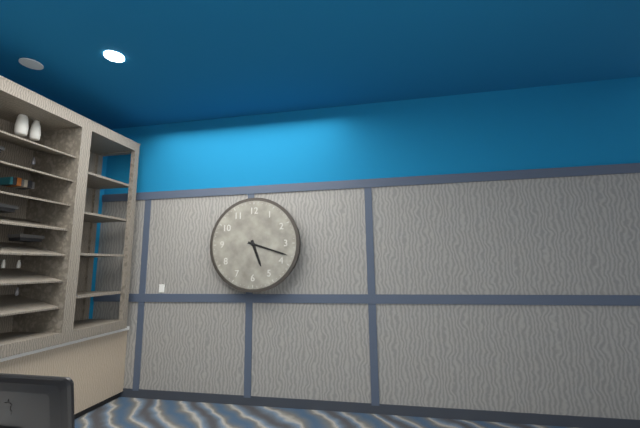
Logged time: 5 h 18 min
